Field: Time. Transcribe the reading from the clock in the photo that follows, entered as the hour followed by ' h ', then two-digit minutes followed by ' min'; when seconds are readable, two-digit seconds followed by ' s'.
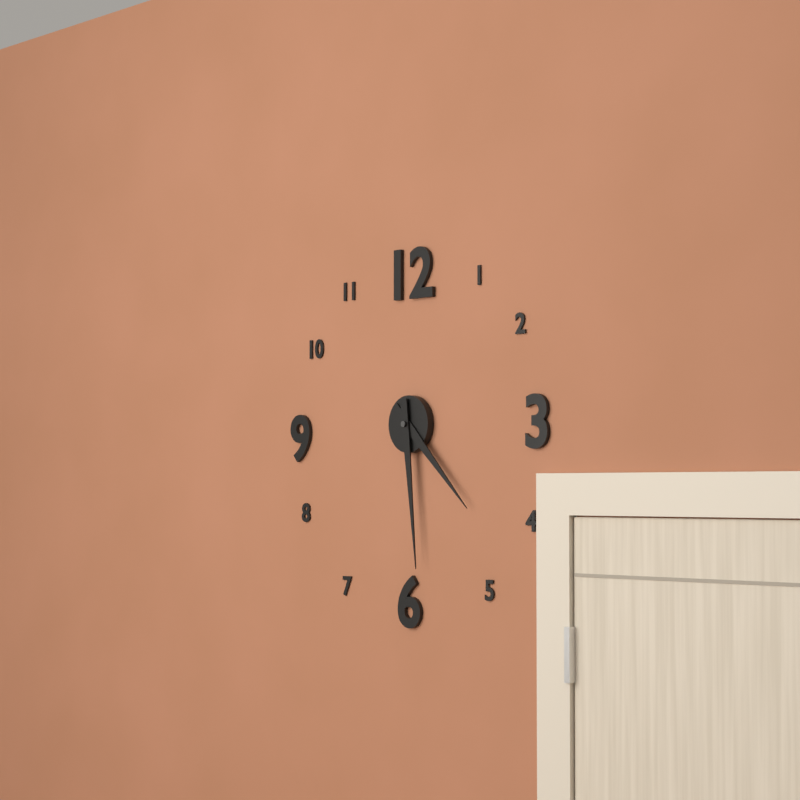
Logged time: 4 h 29 min
